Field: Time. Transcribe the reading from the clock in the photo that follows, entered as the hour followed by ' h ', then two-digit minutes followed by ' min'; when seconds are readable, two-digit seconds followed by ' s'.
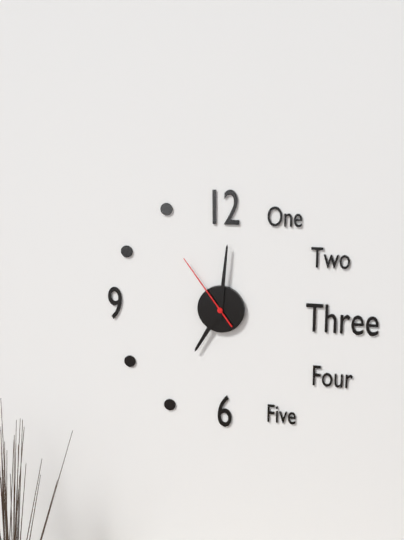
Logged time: 7 h 01 min 54 s
